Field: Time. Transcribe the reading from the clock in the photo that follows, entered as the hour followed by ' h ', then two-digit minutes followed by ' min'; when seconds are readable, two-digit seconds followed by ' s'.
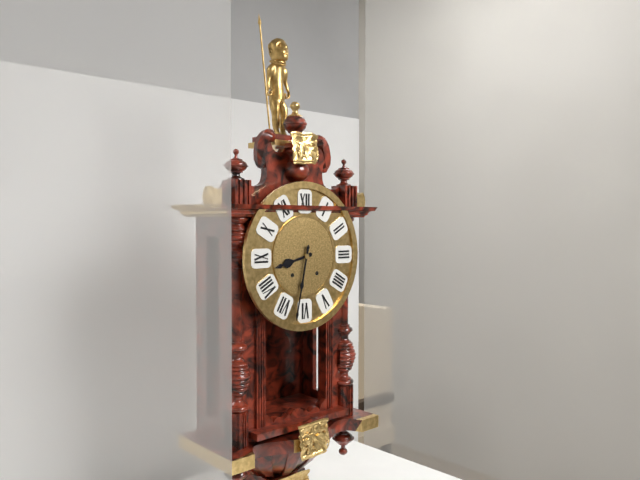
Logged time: 8 h 32 min
